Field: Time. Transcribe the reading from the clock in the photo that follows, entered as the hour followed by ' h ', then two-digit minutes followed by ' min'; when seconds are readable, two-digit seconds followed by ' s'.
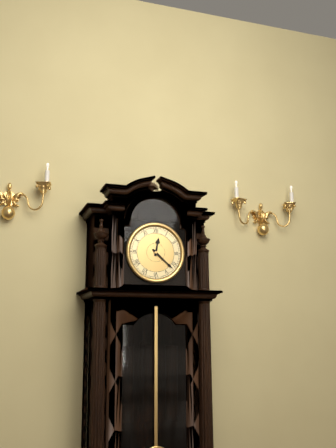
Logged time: 12 h 22 min
